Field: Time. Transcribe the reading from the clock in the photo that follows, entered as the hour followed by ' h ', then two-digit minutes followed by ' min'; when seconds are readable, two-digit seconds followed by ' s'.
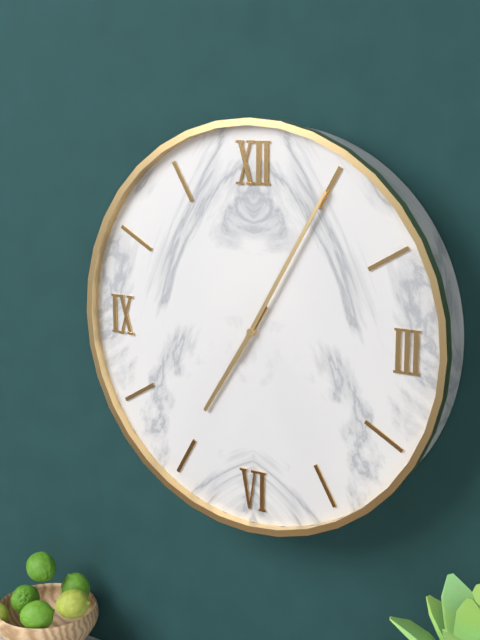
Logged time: 7 h 05 min
